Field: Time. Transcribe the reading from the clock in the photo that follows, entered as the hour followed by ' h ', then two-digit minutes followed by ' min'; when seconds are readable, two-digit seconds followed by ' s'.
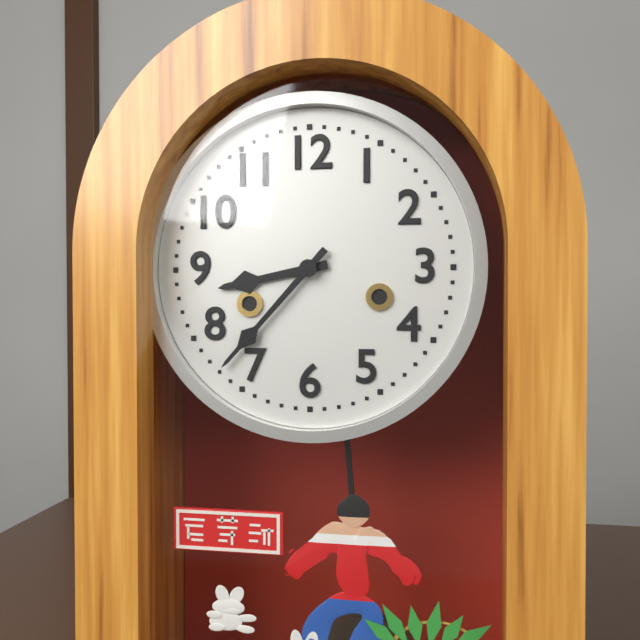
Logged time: 8 h 37 min
